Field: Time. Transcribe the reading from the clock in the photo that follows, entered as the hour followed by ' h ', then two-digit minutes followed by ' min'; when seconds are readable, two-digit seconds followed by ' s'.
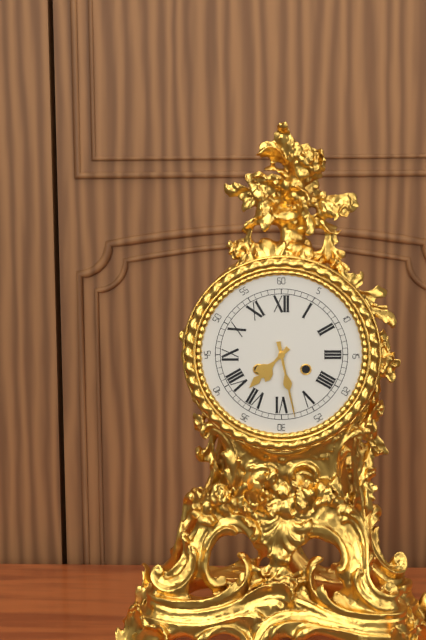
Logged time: 7 h 28 min
